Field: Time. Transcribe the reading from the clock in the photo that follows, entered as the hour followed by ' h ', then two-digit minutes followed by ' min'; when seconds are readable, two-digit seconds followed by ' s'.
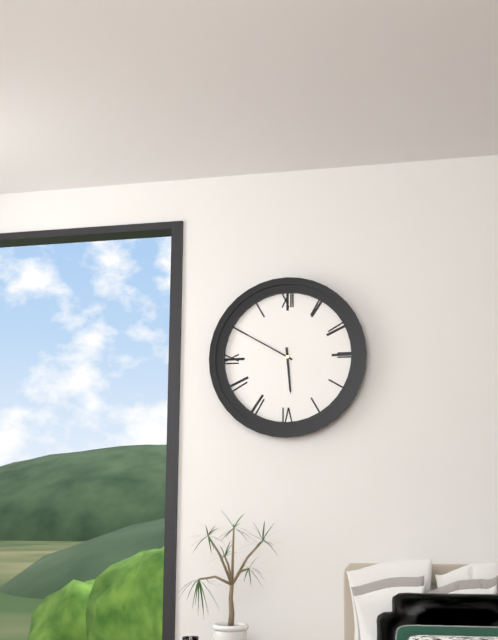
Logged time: 5 h 50 min
